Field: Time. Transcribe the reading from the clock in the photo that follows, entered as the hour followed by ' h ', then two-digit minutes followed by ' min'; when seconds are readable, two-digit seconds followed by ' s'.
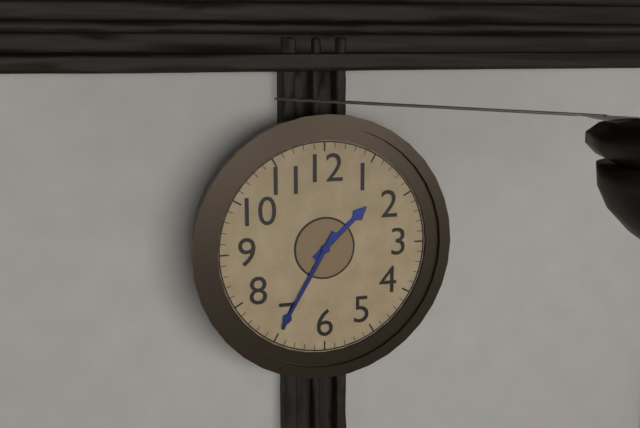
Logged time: 1 h 35 min
